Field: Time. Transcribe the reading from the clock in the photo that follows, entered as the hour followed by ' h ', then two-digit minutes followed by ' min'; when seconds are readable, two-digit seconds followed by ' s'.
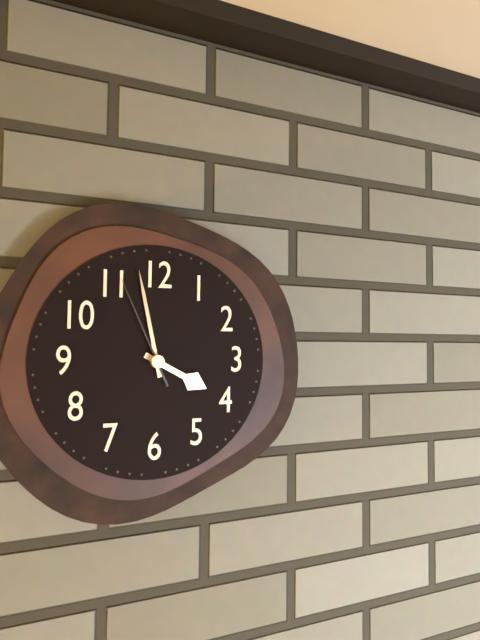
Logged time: 3 h 58 min 56 s
